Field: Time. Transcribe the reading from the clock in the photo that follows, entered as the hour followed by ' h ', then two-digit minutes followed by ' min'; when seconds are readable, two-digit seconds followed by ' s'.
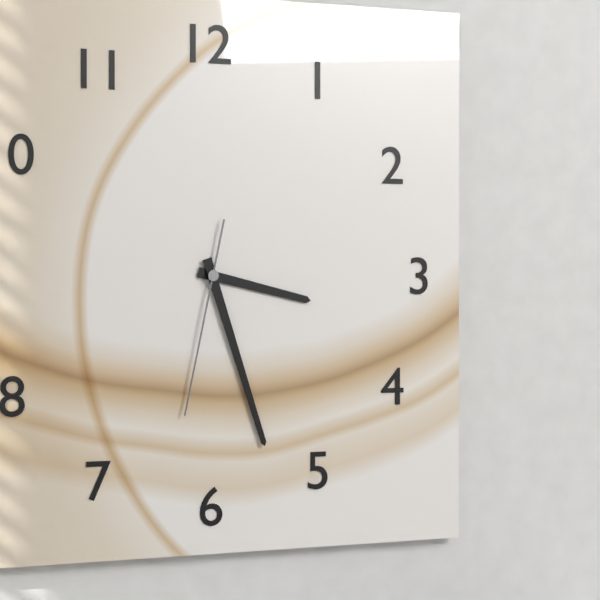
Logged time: 3 h 27 min 32 s
